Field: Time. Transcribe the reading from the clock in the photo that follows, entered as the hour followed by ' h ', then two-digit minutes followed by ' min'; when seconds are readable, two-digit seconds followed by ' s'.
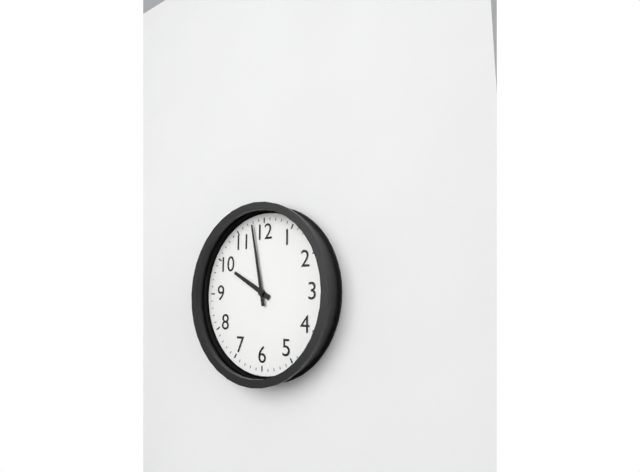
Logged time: 9 h 58 min
